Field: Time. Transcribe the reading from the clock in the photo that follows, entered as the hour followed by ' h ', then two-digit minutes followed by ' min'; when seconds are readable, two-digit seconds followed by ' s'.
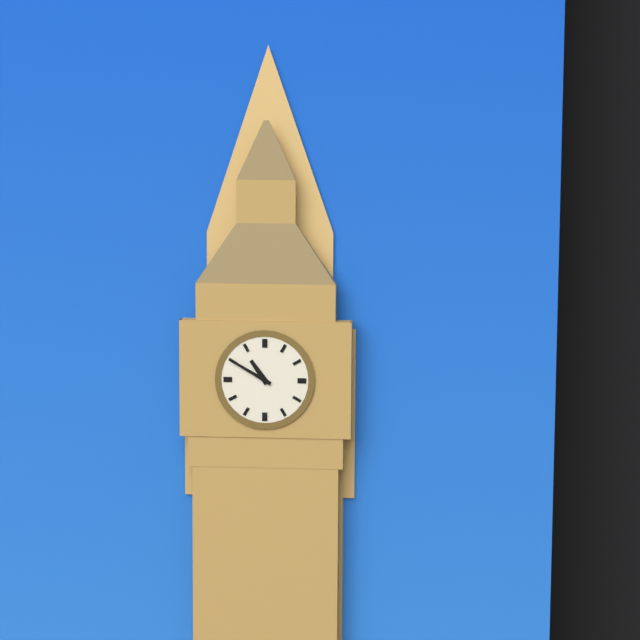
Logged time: 10 h 50 min
